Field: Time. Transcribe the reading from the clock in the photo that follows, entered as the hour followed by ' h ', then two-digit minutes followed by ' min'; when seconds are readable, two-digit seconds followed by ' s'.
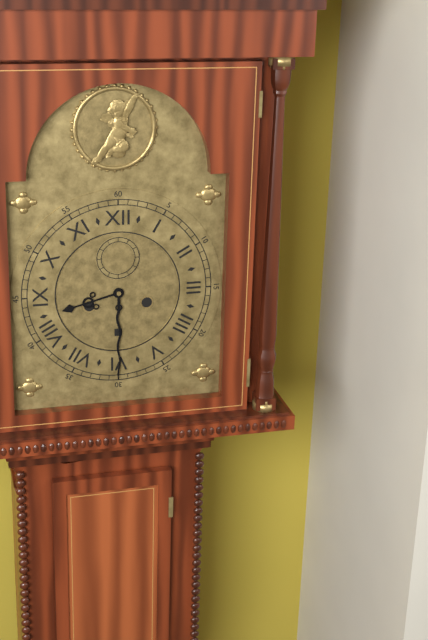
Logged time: 8 h 30 min
